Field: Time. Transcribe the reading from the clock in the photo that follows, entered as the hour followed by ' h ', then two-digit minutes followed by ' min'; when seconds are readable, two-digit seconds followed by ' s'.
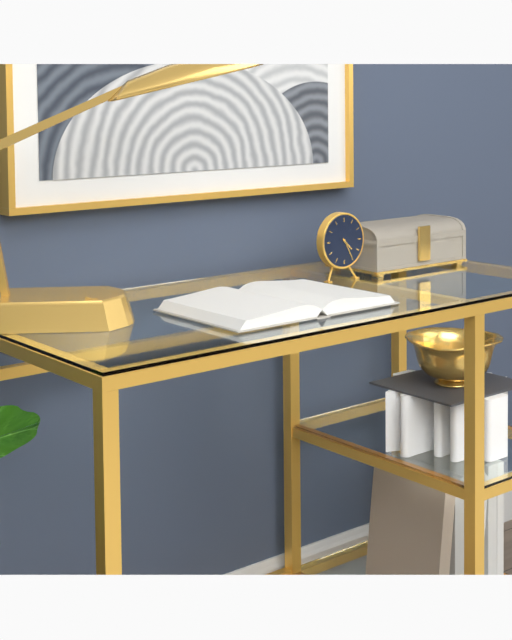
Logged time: 4 h 25 min
